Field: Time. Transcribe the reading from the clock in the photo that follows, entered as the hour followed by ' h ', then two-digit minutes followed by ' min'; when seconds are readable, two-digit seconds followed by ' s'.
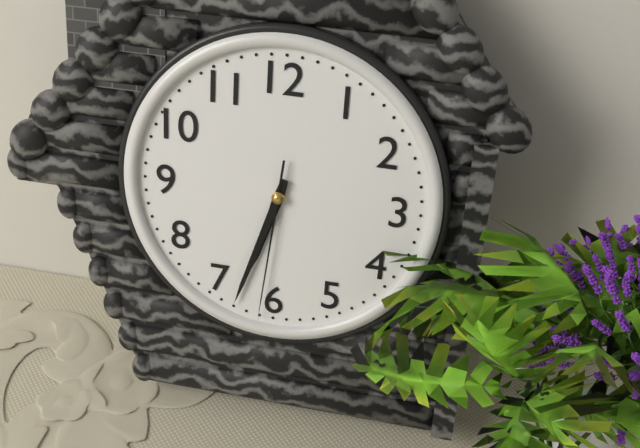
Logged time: 6 h 33 min 31 s
